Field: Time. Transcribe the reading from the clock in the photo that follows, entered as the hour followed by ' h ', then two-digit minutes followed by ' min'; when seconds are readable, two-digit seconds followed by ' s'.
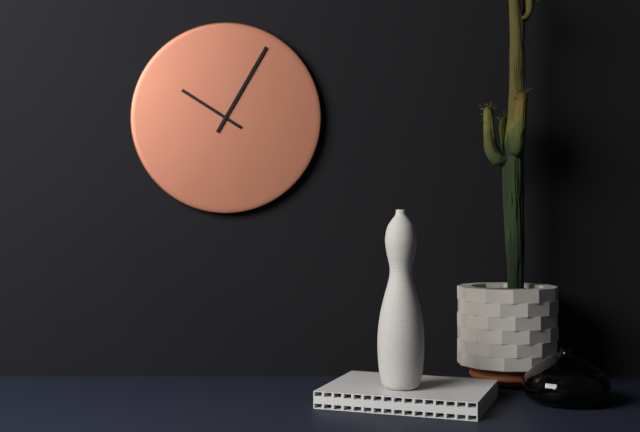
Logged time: 10 h 05 min
